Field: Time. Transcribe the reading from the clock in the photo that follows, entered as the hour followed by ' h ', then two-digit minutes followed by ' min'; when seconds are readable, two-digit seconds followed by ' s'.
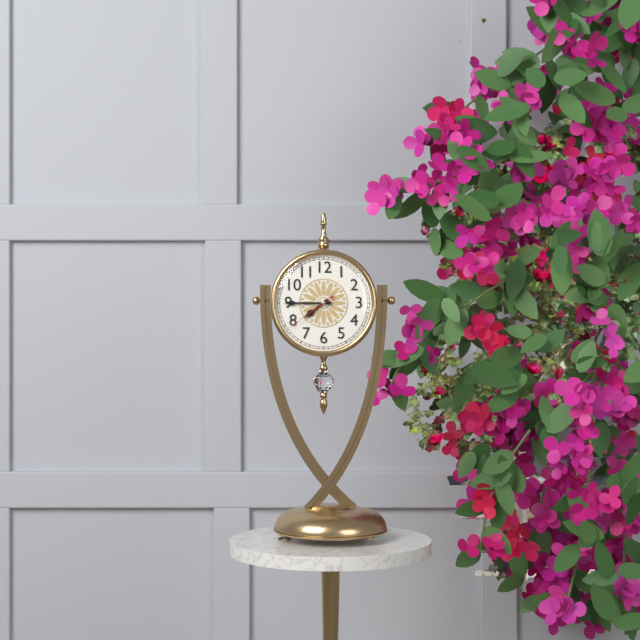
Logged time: 7 h 45 min 39 s
